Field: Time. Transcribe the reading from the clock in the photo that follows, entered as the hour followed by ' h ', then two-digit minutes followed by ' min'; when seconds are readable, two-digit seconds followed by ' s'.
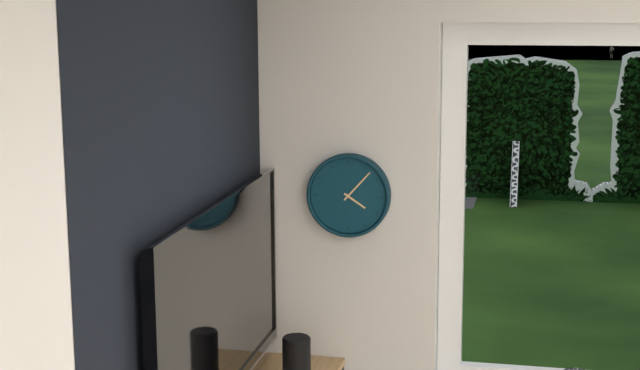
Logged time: 4 h 07 min
